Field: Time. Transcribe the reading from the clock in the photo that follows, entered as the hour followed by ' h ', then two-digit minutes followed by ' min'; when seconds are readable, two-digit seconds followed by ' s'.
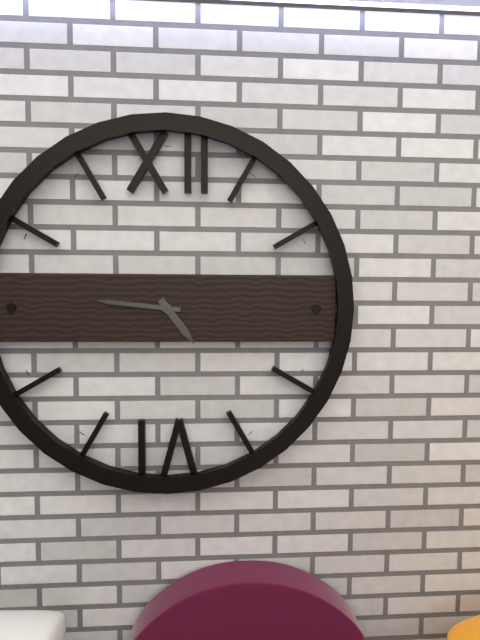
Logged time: 4 h 46 min
